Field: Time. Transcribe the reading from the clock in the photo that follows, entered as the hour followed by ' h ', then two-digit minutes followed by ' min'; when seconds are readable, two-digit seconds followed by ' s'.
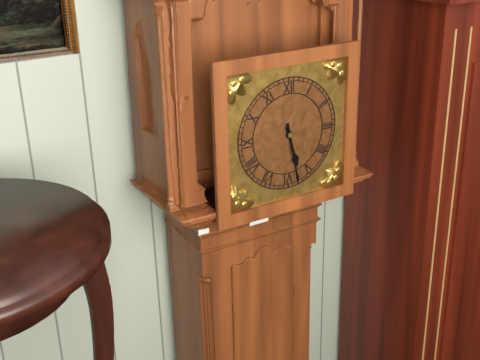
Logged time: 5 h 28 min
